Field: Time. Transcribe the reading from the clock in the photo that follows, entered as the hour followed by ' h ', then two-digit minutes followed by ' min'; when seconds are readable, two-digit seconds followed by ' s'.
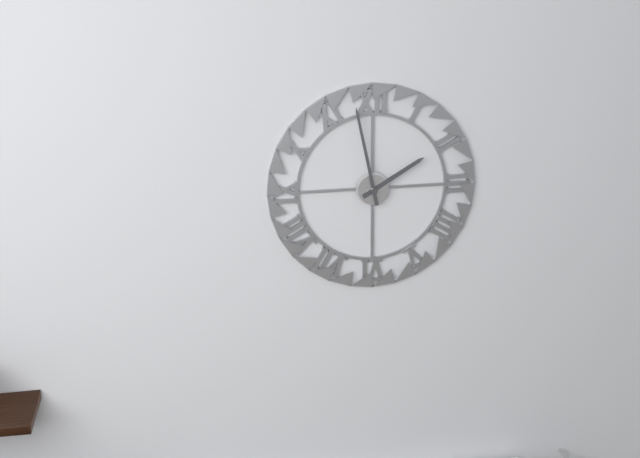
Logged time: 1 h 58 min
